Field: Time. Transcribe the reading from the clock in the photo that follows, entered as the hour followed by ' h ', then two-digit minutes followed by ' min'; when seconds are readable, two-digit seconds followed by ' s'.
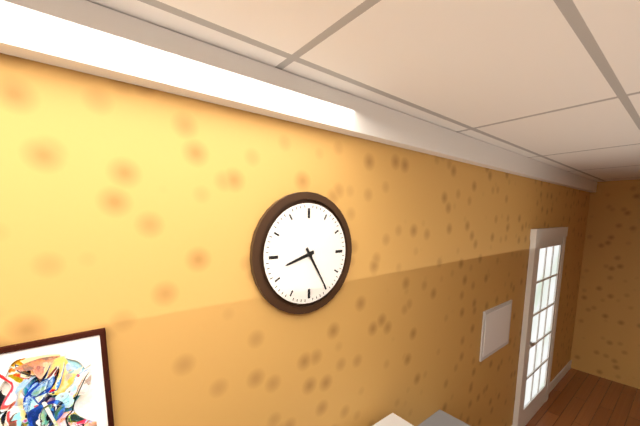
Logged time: 8 h 25 min
